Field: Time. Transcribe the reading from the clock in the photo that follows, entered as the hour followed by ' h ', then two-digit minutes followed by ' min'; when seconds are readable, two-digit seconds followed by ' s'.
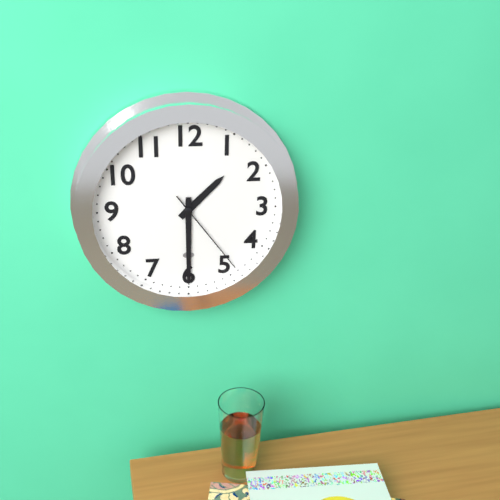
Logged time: 1 h 30 min 24 s
